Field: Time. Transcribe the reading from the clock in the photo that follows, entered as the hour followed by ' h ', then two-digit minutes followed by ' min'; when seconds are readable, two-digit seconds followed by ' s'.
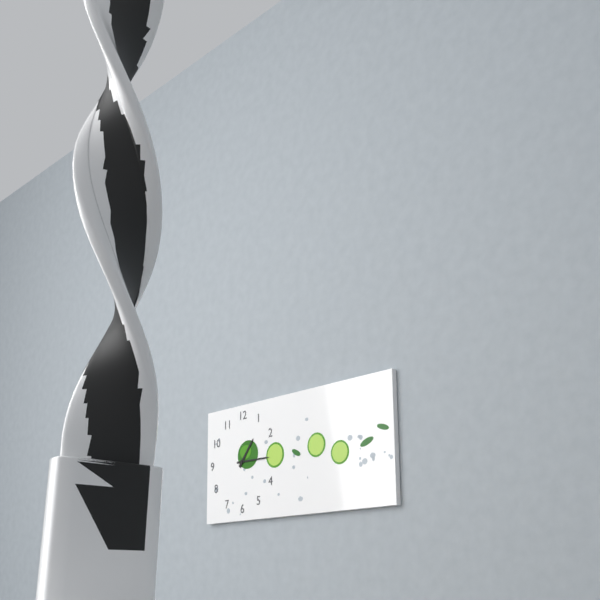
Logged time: 1 h 15 min
